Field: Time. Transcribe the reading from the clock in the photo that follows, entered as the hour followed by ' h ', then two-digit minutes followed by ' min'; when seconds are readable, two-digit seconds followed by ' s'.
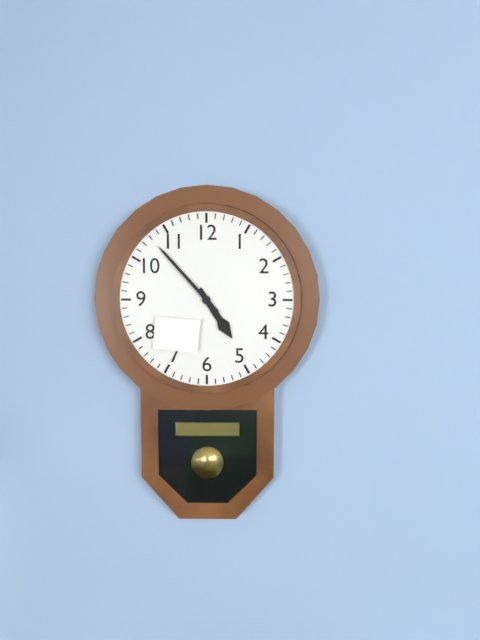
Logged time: 4 h 53 min
